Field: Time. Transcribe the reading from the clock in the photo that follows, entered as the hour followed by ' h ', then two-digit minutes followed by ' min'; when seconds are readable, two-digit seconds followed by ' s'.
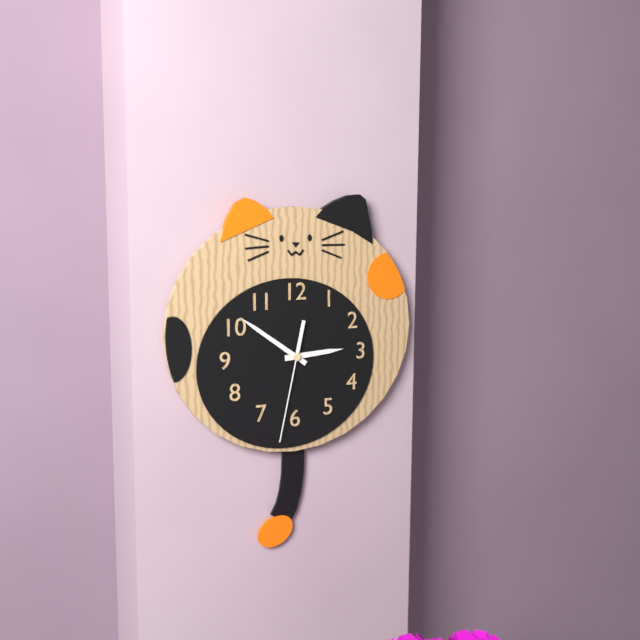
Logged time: 2 h 51 min 32 s
